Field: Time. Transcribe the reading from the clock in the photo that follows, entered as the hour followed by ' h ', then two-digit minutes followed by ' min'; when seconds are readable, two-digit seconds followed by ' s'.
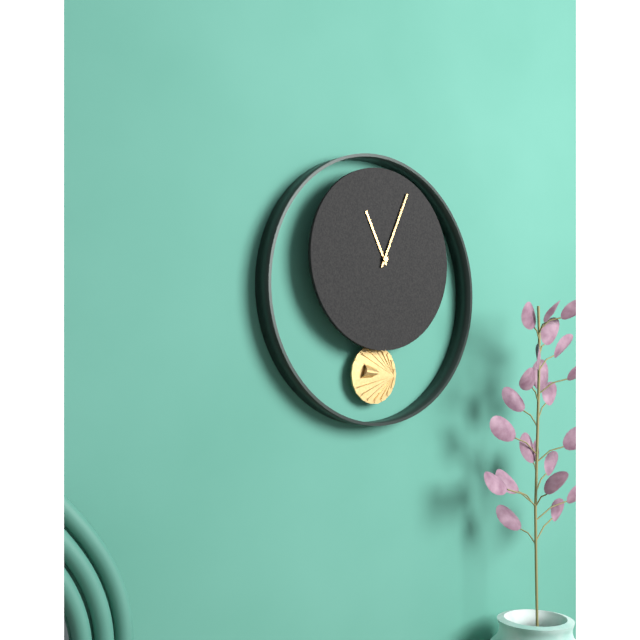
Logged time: 11 h 04 min
